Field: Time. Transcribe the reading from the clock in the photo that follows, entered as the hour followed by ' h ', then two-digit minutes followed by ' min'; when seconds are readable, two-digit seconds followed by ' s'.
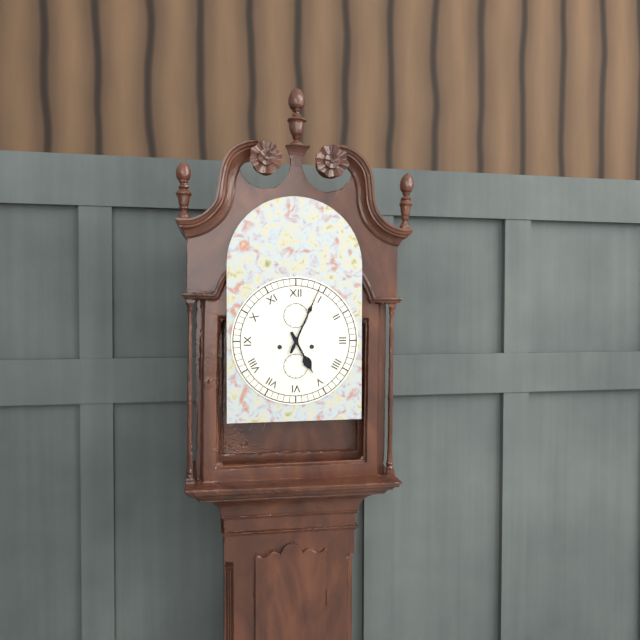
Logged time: 5 h 04 min
